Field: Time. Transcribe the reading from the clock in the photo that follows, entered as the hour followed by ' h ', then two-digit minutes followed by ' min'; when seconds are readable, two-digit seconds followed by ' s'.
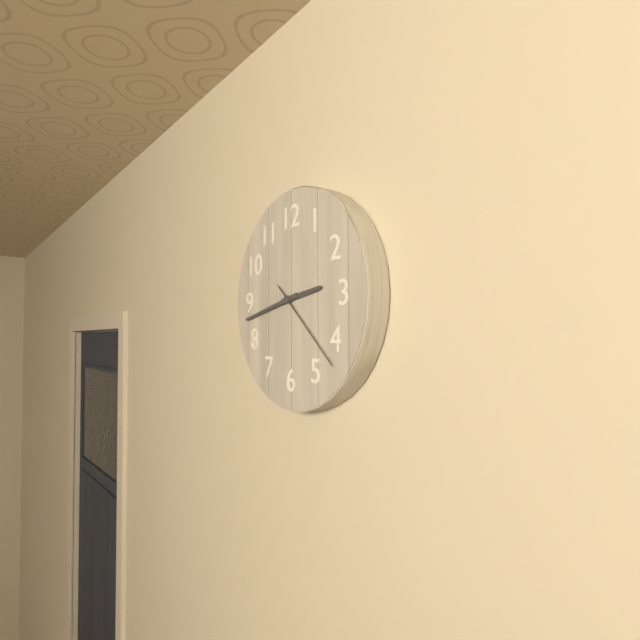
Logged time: 2 h 43 min 22 s
